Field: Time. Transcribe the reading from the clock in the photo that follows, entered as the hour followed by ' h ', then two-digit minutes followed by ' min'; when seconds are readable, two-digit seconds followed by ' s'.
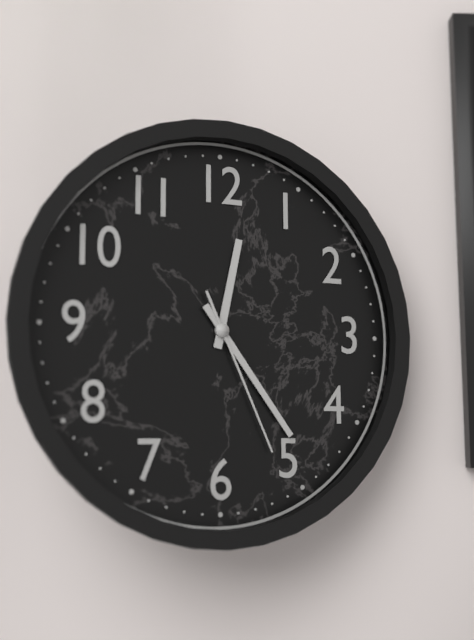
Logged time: 12 h 24 min 26 s
